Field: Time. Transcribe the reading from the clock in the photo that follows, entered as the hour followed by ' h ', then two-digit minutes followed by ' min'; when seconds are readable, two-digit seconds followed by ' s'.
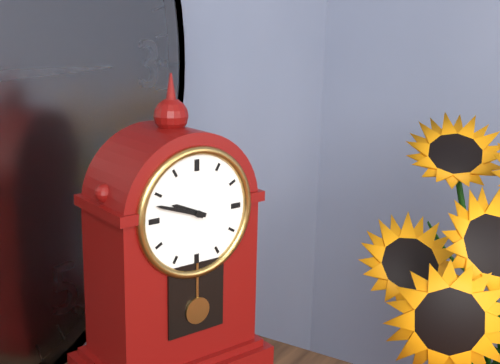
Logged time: 9 h 48 min
